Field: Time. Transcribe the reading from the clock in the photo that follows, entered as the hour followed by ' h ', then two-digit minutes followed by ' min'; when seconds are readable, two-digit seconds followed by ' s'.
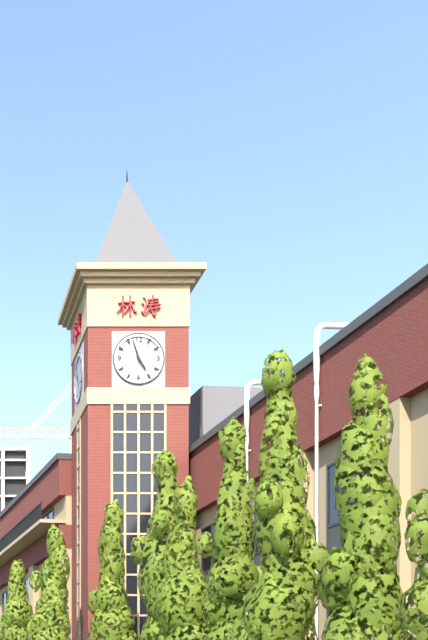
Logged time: 4 h 57 min
